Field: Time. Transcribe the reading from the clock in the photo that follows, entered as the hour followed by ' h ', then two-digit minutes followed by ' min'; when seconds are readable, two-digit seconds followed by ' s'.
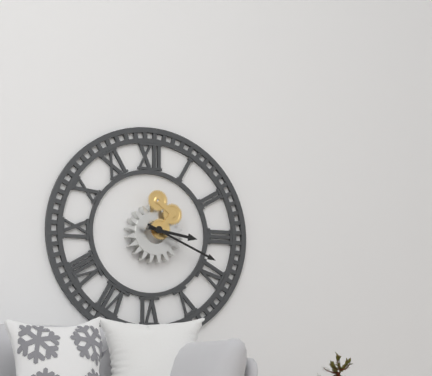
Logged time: 3 h 19 min
